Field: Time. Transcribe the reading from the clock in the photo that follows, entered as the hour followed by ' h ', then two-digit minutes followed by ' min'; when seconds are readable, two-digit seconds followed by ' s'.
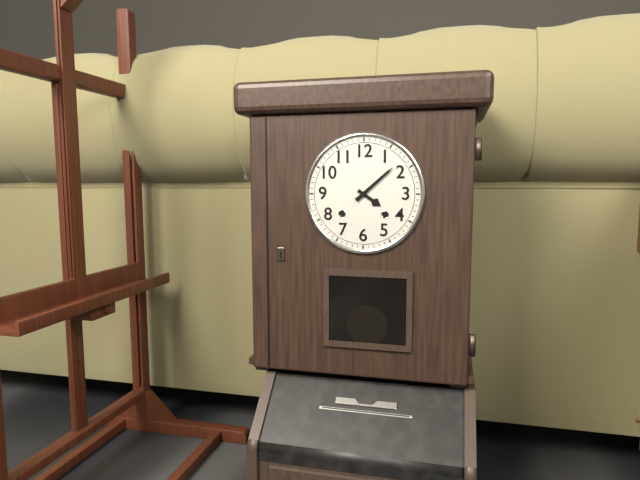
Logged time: 4 h 08 min
